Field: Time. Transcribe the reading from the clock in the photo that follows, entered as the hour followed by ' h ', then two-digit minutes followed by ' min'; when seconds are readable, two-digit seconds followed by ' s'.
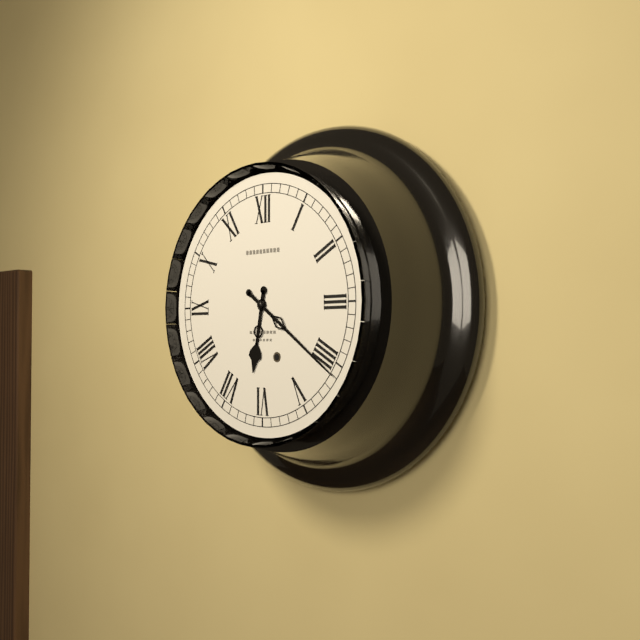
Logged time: 6 h 21 min
